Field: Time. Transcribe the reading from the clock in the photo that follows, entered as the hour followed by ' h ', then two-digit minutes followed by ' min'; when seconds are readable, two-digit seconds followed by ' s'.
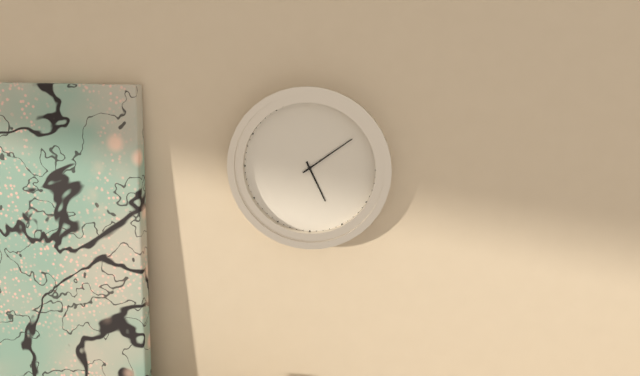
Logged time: 5 h 09 min
